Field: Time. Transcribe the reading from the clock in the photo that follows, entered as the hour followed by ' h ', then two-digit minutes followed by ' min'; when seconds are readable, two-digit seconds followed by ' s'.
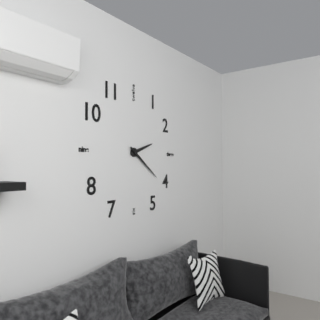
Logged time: 2 h 21 min
